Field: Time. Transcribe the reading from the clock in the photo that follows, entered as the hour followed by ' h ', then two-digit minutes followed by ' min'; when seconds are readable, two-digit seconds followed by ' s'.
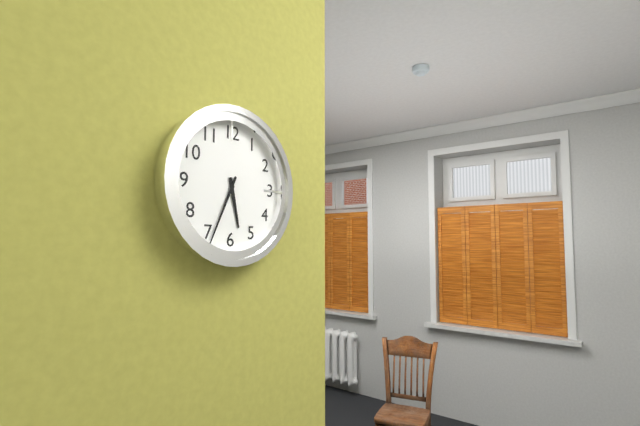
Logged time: 5 h 34 min
